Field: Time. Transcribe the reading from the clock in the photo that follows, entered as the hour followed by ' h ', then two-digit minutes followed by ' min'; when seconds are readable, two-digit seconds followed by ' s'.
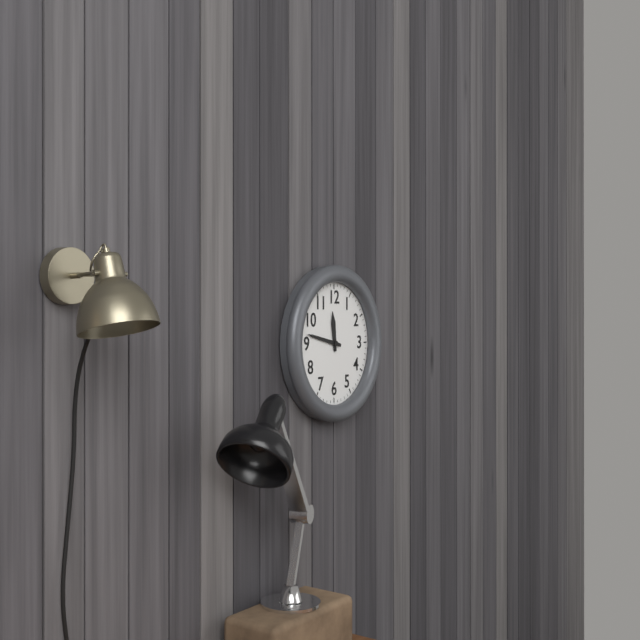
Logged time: 11 h 47 min
